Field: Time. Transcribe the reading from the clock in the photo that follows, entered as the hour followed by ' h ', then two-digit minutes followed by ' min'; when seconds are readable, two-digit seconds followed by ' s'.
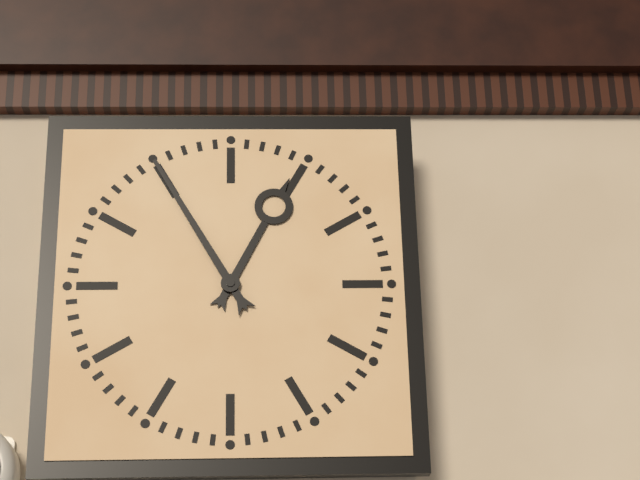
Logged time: 12 h 55 min
